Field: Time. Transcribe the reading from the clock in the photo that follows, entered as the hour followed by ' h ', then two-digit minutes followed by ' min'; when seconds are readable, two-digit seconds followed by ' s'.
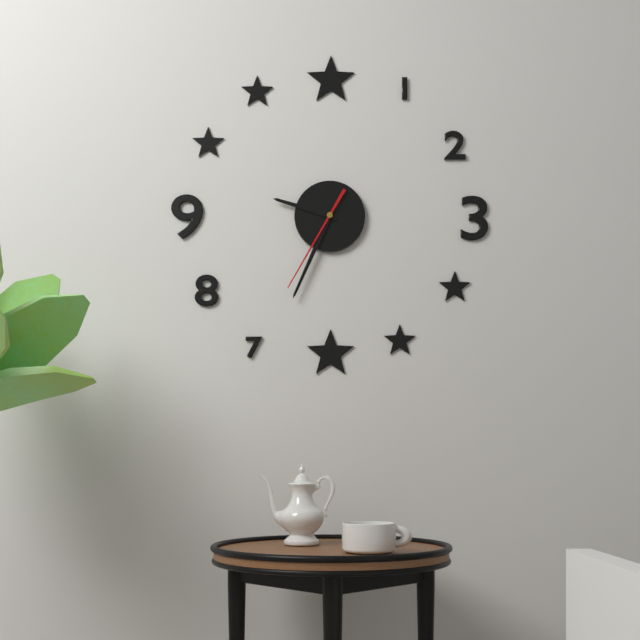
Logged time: 9 h 34 min 35 s
